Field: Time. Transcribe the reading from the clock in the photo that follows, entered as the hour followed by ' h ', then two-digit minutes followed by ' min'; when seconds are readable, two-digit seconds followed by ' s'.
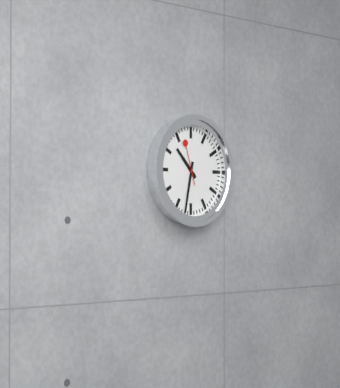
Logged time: 10 h 32 min
